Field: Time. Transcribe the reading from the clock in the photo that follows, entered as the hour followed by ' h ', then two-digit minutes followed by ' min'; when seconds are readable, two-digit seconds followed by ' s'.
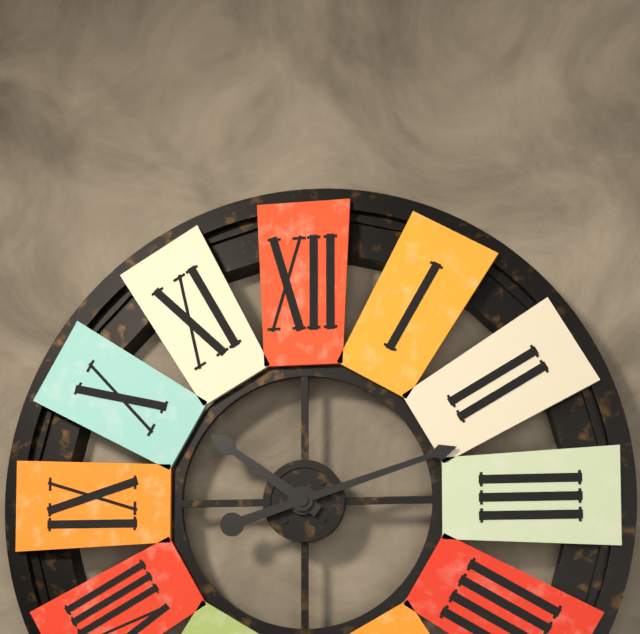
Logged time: 10 h 12 min
